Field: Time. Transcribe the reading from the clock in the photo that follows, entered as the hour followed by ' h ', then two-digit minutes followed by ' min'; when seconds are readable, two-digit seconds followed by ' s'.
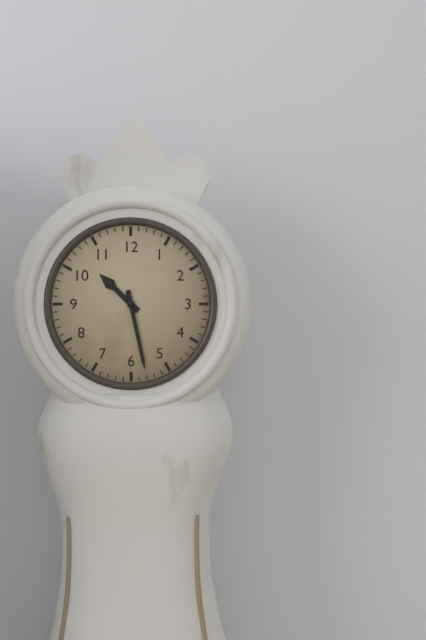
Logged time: 10 h 28 min
